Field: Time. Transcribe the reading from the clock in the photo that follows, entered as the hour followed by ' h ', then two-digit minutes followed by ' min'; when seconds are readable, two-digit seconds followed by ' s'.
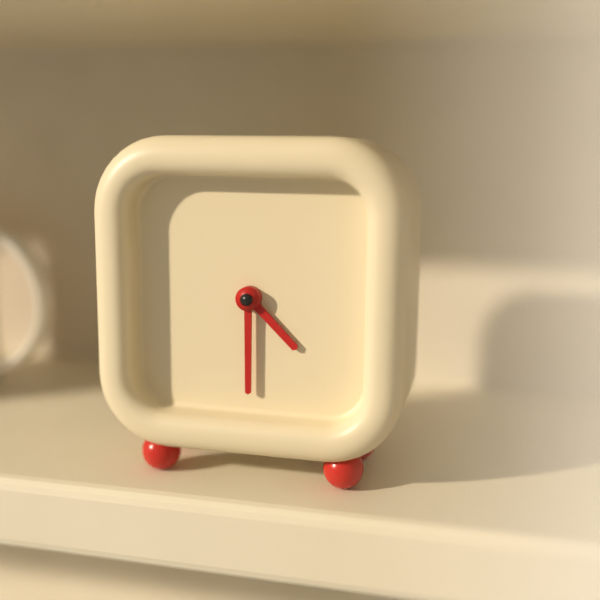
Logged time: 4 h 30 min
